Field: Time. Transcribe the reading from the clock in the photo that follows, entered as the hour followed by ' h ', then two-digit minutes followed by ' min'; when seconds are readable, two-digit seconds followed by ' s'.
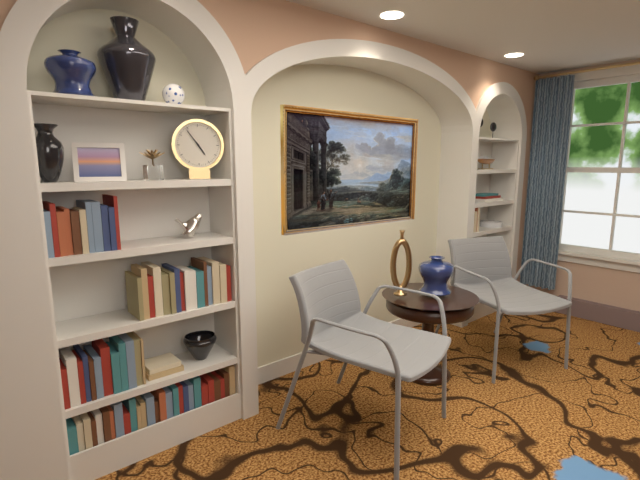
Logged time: 4 h 54 min
